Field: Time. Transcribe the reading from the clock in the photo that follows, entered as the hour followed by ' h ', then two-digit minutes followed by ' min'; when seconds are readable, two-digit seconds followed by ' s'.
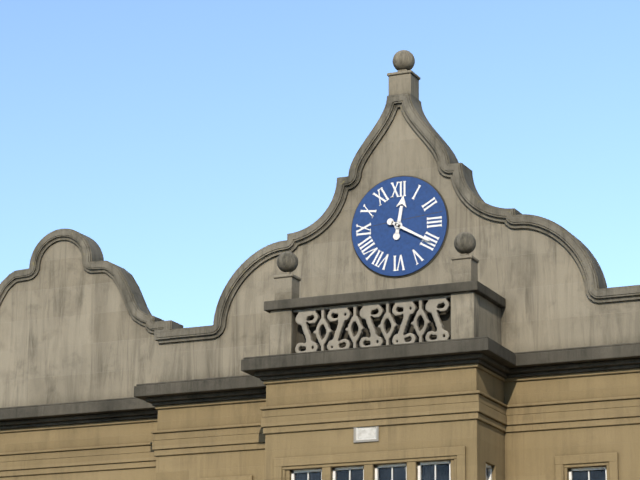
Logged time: 12 h 20 min
